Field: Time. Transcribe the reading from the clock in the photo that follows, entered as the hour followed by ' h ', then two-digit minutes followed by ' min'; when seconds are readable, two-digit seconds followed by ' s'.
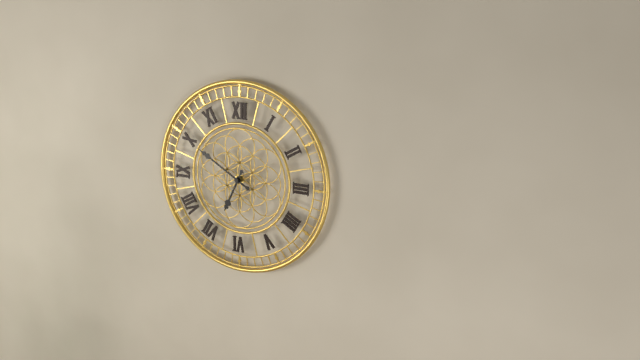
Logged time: 6 h 50 min
